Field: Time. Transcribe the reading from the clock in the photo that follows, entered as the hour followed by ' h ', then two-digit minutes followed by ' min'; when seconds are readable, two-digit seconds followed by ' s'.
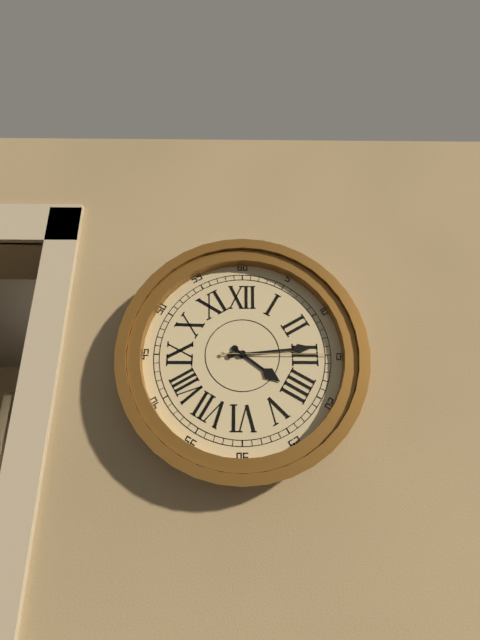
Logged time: 4 h 14 min 15 s
